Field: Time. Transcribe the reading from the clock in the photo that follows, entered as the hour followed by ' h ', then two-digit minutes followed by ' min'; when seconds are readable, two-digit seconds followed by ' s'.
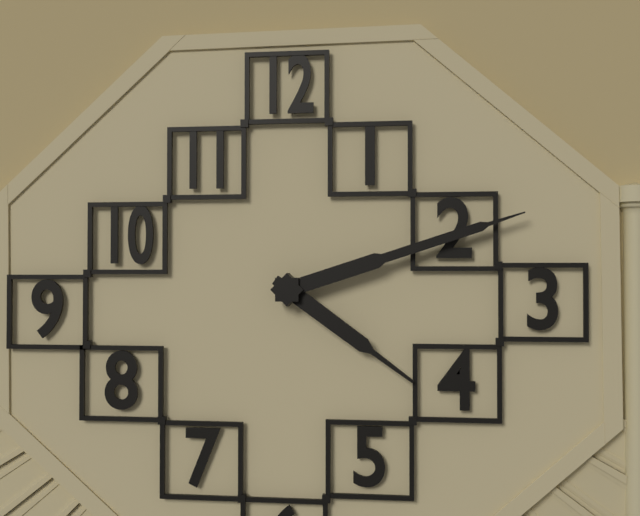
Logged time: 4 h 12 min
